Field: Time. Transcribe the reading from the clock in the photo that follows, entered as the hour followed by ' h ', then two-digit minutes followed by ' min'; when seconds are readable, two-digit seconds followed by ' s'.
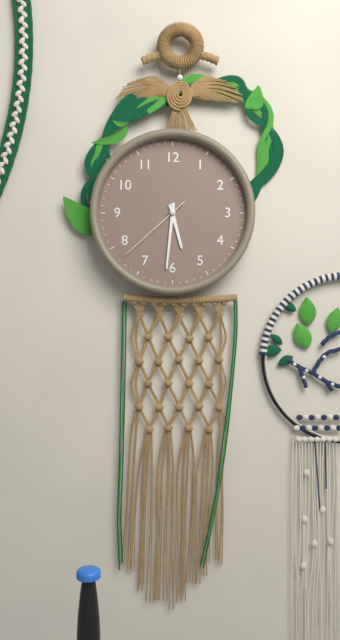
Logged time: 5 h 31 min 38 s
